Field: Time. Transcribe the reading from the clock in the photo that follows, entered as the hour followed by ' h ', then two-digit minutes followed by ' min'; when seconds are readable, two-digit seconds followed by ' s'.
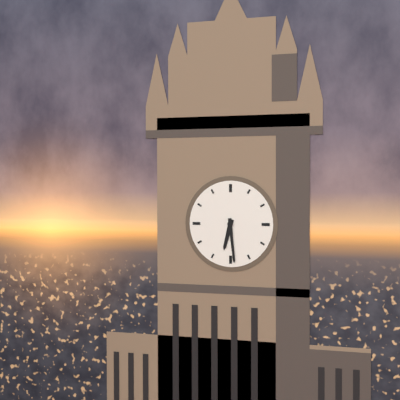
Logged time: 6 h 29 min
